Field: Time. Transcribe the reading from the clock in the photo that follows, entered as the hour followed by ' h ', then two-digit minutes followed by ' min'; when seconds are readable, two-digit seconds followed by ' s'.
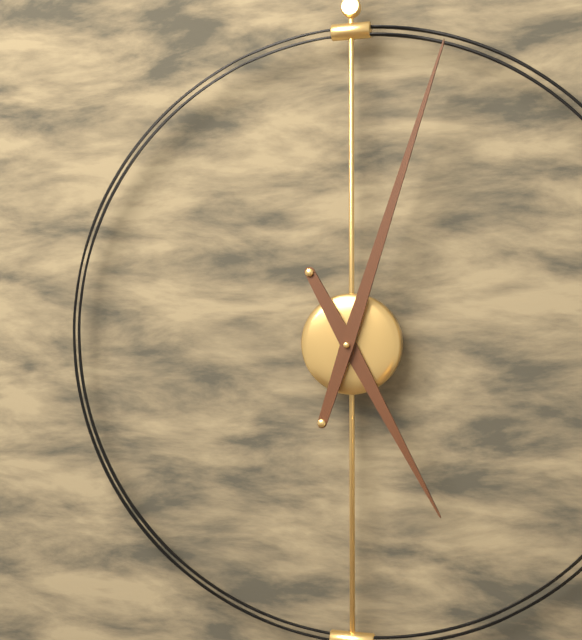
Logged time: 5 h 03 min
